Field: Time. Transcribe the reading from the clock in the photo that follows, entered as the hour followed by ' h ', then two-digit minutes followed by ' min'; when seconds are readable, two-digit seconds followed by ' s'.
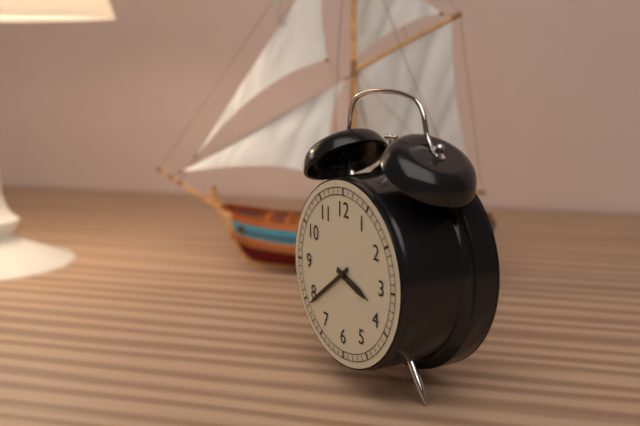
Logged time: 3 h 39 min
